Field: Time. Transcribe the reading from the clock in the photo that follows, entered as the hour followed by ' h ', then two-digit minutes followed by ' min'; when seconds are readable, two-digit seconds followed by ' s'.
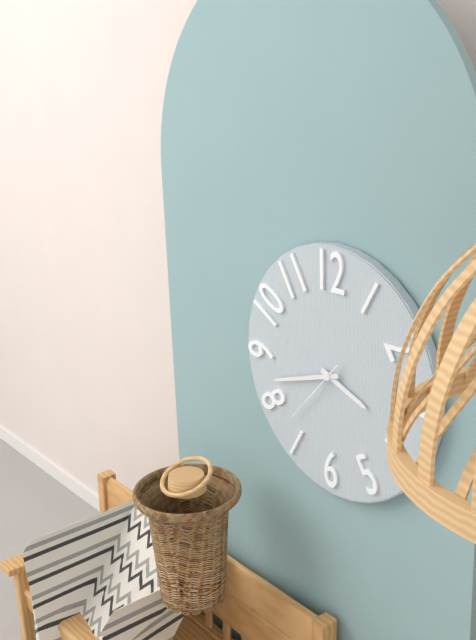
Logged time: 3 h 42 min 37 s
